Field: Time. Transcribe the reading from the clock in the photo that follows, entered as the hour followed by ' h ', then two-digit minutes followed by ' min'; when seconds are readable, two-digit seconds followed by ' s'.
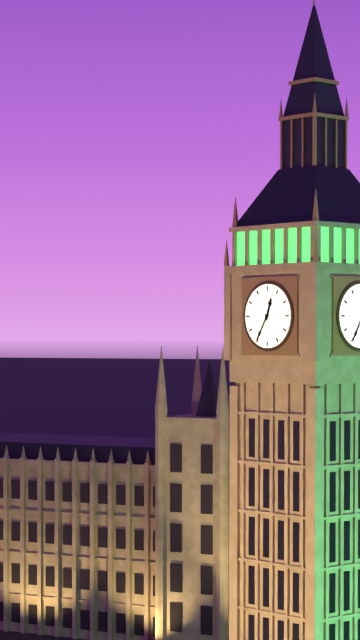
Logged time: 12 h 35 min
